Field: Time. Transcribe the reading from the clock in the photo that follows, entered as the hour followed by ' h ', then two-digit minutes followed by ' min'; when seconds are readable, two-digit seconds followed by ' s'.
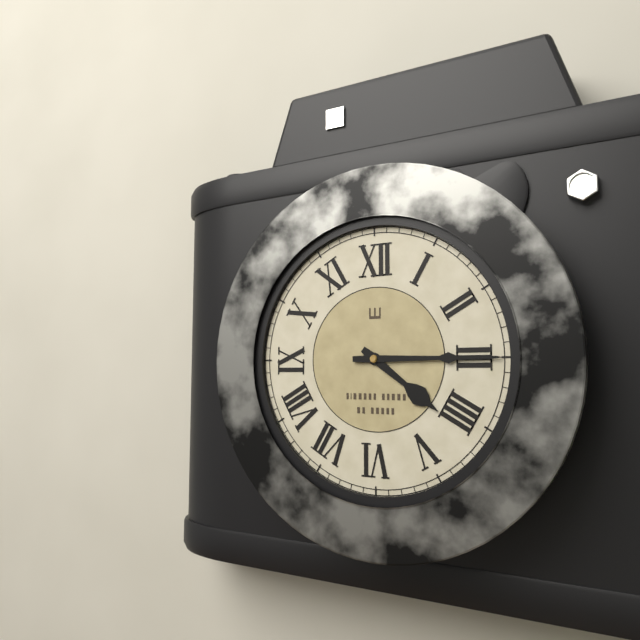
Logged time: 4 h 15 min
